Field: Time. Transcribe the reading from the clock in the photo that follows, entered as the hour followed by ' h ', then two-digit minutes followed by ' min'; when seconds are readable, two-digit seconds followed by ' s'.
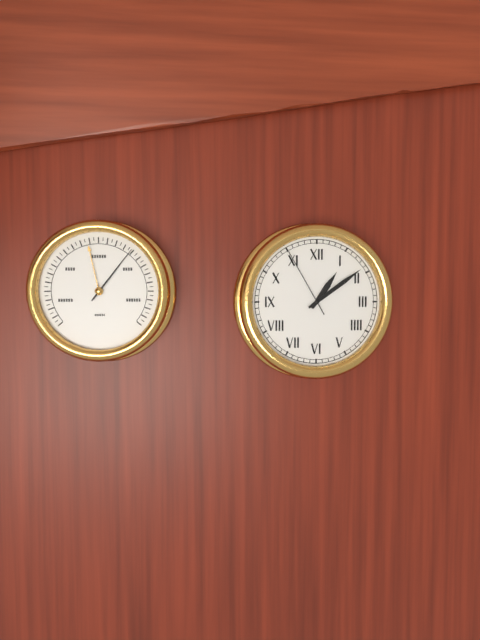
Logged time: 1 h 09 min 55 s
